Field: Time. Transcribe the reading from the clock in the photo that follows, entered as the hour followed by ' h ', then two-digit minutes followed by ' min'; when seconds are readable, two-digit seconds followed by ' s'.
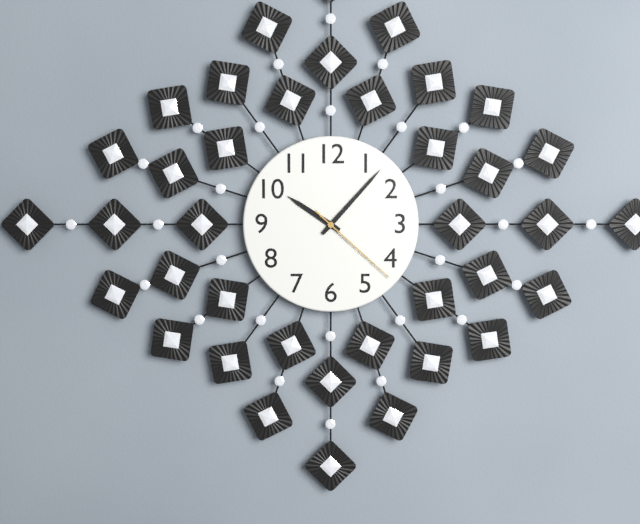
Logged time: 10 h 07 min 22 s
